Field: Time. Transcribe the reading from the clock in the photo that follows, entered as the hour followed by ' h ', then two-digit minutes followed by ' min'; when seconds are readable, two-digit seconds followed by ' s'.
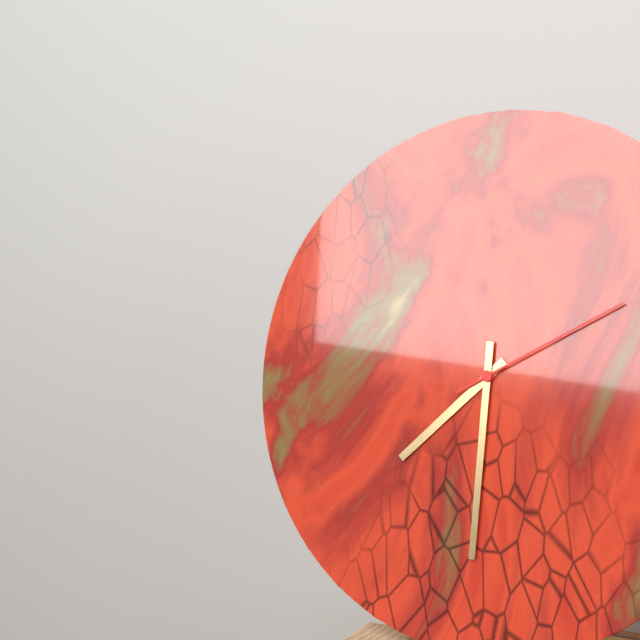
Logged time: 7 h 30 min 10 s
